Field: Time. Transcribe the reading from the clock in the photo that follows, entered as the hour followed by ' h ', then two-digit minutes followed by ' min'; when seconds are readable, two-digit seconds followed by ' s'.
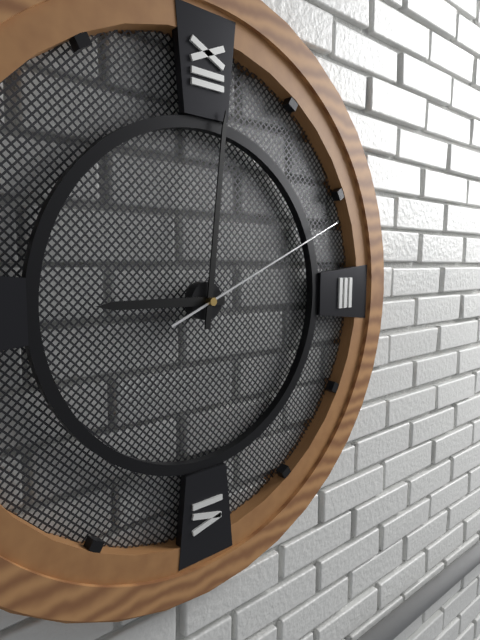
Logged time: 9 h 01 min 11 s
